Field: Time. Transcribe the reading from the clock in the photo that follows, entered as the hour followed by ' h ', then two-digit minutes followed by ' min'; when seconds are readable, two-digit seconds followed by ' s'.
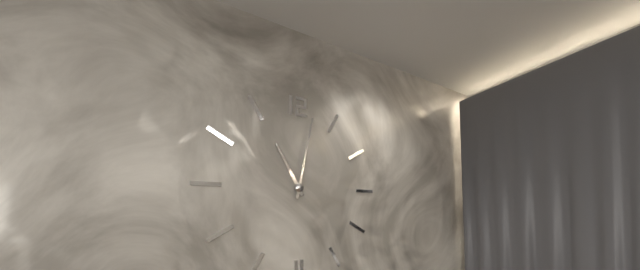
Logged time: 11 h 02 min
